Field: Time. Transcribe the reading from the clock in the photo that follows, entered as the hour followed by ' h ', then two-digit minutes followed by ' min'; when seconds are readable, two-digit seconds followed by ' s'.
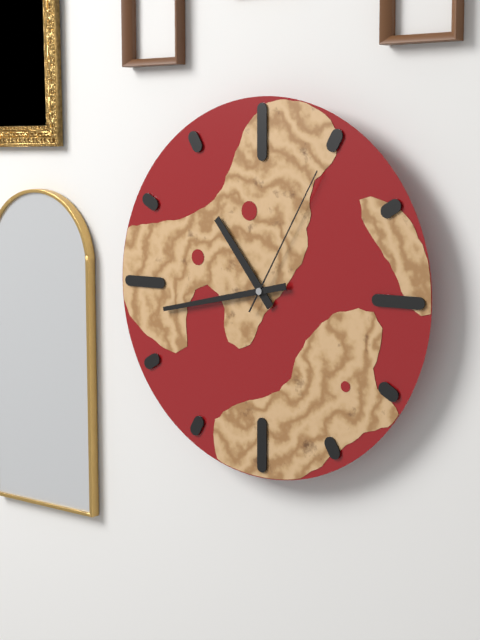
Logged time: 10 h 43 min 05 s
